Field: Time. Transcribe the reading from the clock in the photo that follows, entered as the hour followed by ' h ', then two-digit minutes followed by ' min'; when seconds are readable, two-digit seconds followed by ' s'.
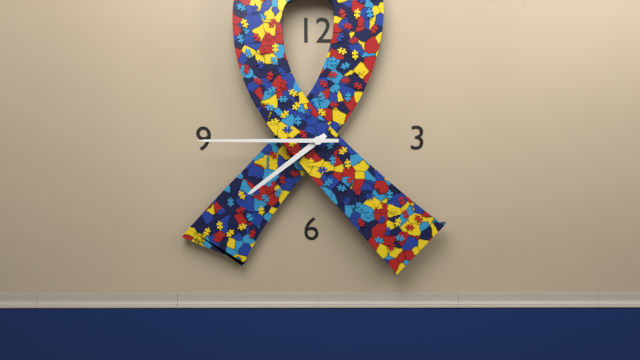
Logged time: 7 h 45 min
